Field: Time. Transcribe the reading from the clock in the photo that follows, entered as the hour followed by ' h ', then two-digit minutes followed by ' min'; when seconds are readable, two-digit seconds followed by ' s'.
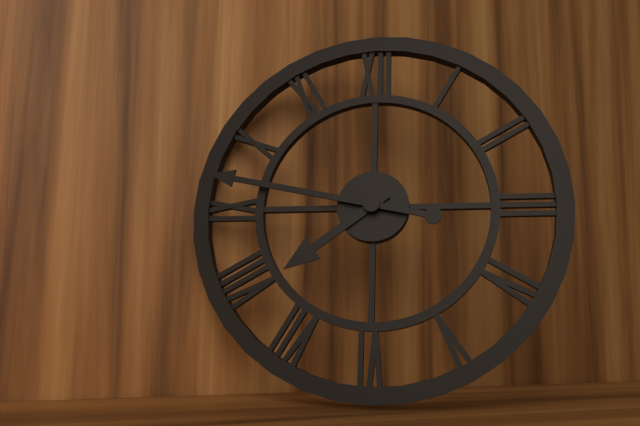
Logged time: 7 h 47 min
